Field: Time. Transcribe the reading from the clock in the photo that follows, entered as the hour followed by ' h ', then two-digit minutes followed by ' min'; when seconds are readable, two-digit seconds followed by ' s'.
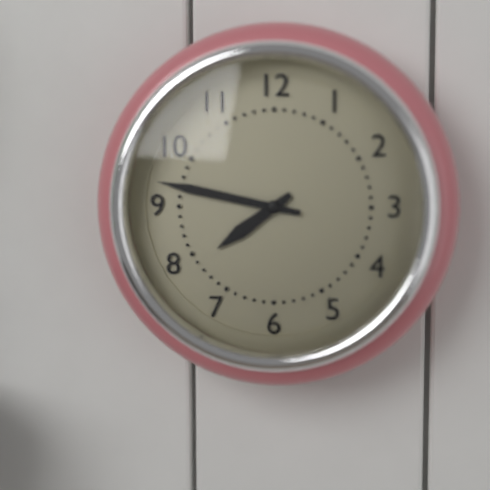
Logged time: 7 h 47 min
